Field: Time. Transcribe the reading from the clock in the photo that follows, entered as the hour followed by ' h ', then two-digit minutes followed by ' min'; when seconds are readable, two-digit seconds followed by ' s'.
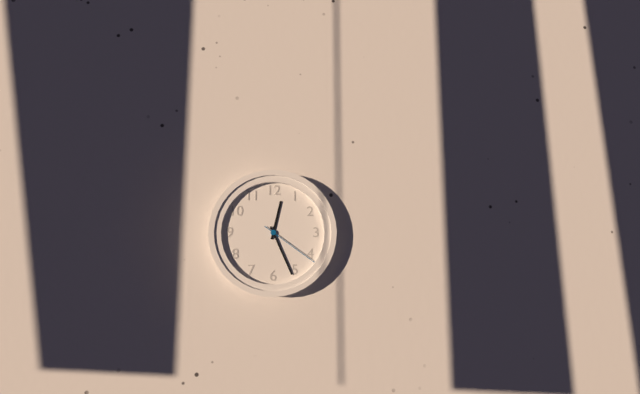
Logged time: 12 h 26 min 21 s
